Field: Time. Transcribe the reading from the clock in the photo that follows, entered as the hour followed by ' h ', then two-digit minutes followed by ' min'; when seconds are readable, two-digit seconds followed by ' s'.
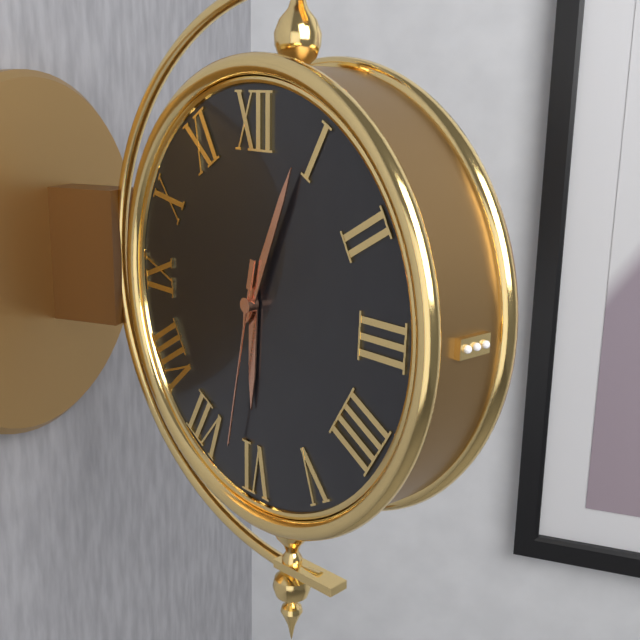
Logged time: 6 h 04 min 32 s
